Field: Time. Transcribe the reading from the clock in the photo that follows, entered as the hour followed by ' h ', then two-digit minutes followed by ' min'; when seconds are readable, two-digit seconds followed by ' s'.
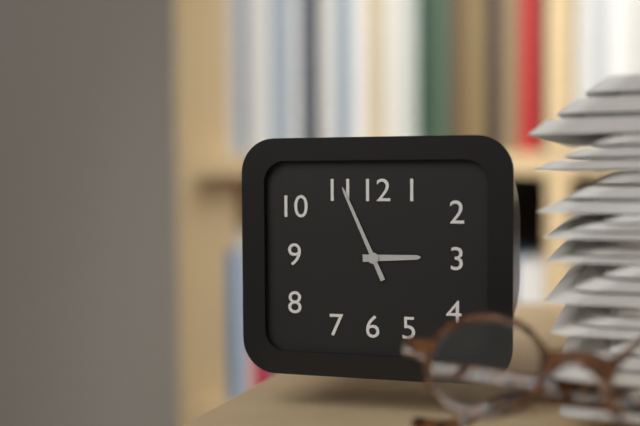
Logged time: 2 h 56 min
